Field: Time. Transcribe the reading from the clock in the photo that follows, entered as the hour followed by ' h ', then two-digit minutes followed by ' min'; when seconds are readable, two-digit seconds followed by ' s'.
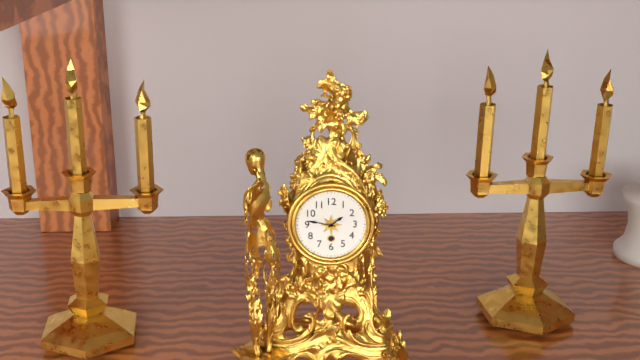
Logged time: 1 h 47 min
